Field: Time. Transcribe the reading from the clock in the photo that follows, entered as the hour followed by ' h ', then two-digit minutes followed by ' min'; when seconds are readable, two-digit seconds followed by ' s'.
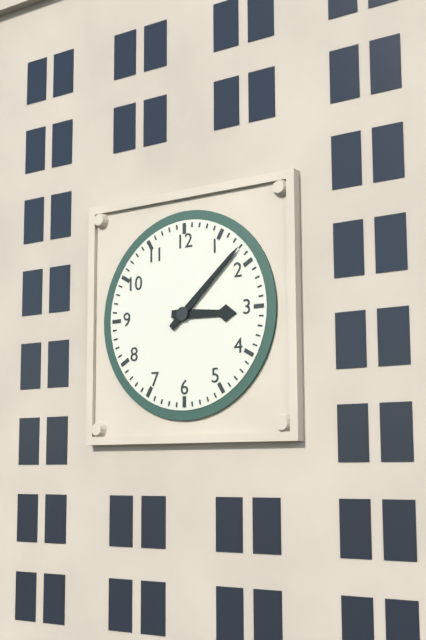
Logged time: 3 h 08 min
